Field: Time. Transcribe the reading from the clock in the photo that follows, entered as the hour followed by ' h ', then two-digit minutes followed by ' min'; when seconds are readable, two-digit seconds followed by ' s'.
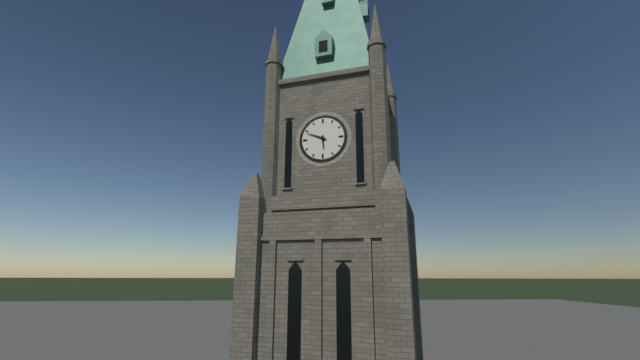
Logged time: 5 h 49 min
